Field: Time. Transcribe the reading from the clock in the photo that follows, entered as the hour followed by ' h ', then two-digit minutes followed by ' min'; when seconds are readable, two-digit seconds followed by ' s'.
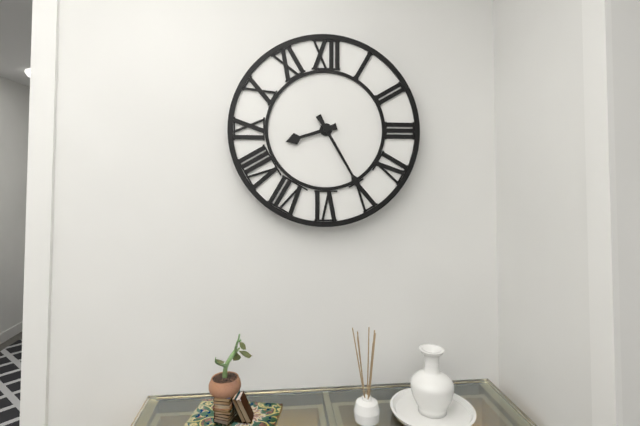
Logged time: 8 h 25 min
